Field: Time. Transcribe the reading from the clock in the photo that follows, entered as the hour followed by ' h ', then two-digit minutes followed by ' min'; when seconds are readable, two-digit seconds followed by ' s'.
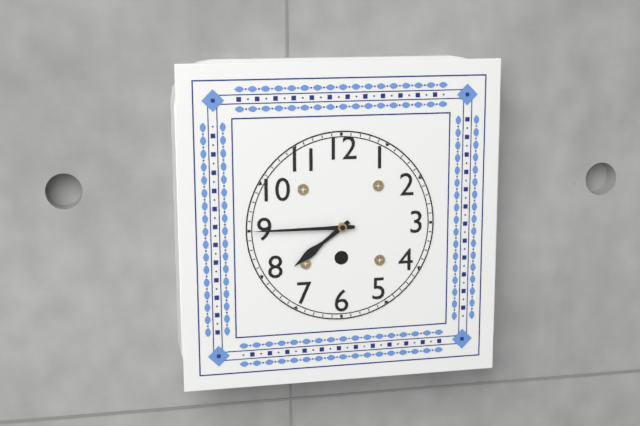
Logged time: 7 h 45 min
